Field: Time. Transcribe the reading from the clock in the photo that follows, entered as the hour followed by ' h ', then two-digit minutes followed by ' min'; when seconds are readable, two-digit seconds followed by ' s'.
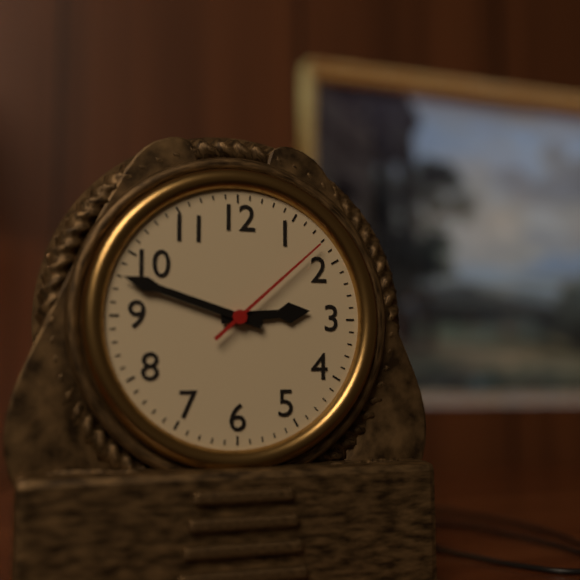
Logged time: 2 h 48 min 08 s
